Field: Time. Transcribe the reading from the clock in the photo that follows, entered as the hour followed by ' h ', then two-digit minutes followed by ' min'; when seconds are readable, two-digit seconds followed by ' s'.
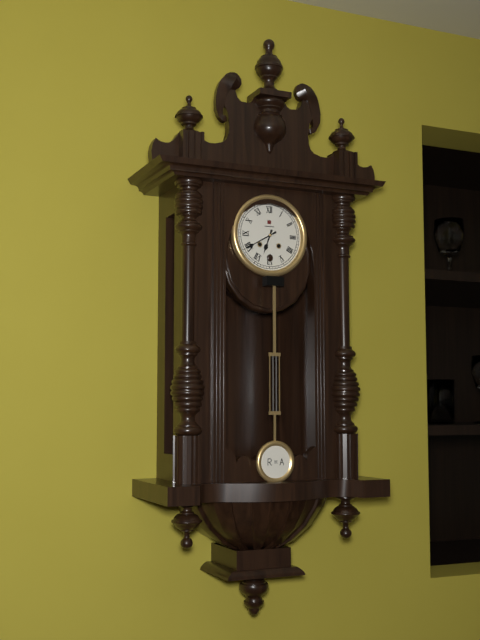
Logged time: 6 h 40 min
